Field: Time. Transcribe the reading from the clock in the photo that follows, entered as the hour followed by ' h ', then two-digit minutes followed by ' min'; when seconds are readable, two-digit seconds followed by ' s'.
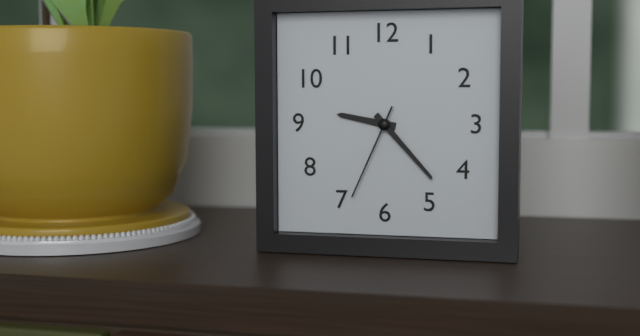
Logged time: 9 h 23 min 34 s
